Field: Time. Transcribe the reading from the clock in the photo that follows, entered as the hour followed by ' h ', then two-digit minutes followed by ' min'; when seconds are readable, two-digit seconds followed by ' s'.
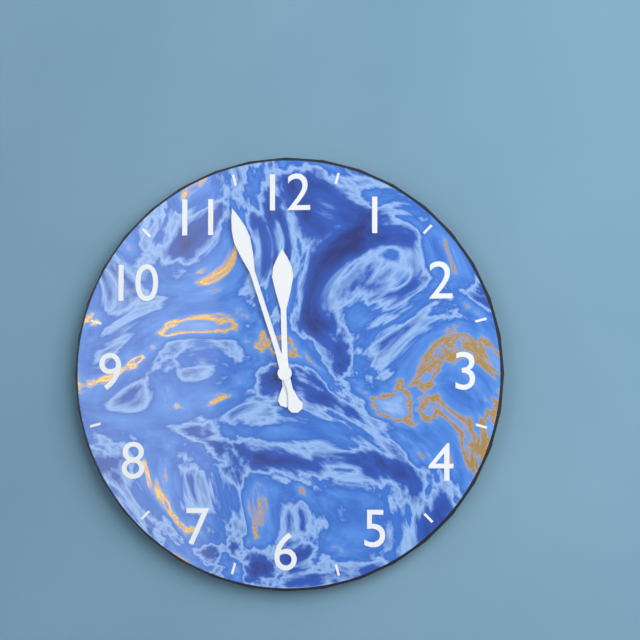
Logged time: 11 h 57 min
